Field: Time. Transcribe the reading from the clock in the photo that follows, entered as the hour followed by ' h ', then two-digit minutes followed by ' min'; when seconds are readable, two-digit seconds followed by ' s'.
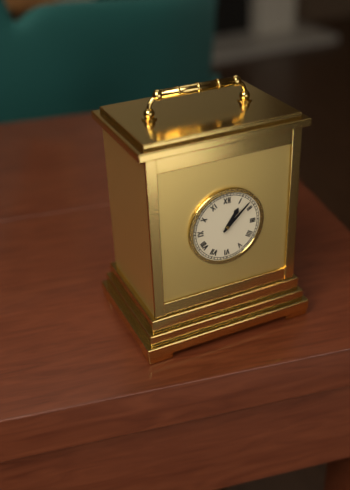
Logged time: 1 h 08 min
